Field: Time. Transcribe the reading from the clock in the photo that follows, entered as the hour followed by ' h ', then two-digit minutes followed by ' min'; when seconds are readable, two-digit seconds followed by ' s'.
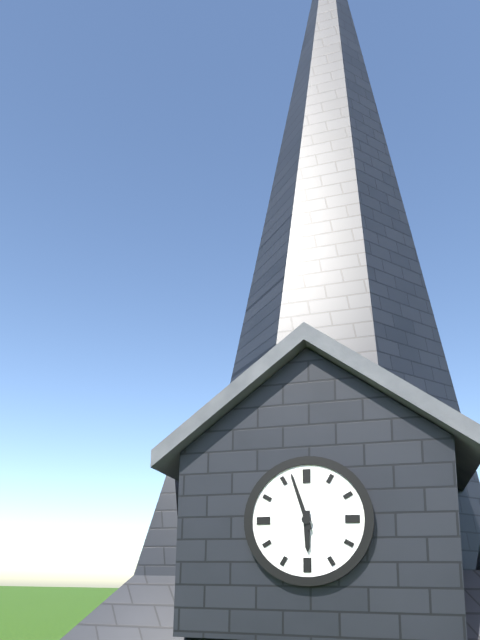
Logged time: 5 h 57 min
